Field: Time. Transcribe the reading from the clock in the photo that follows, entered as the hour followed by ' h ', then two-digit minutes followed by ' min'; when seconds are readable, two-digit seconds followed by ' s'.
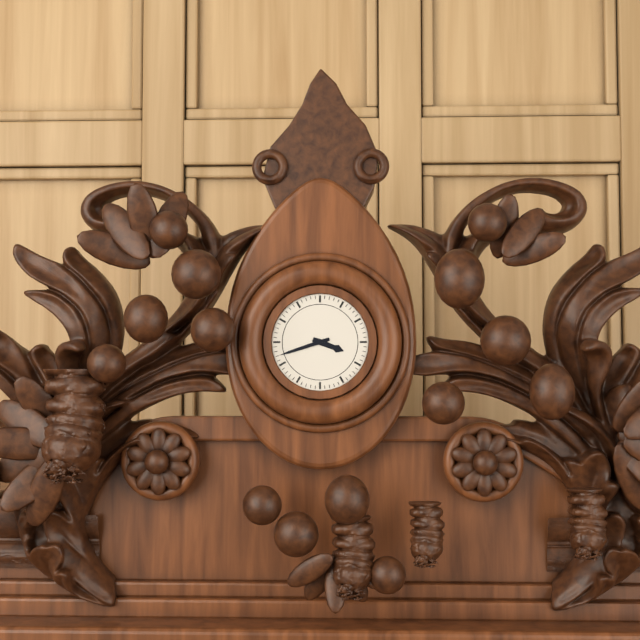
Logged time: 3 h 42 min
